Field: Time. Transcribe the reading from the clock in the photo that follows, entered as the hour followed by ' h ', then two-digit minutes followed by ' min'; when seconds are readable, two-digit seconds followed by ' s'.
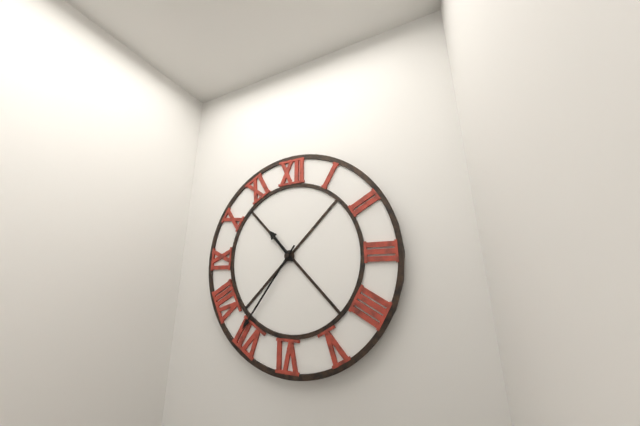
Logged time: 10 h 36 min
